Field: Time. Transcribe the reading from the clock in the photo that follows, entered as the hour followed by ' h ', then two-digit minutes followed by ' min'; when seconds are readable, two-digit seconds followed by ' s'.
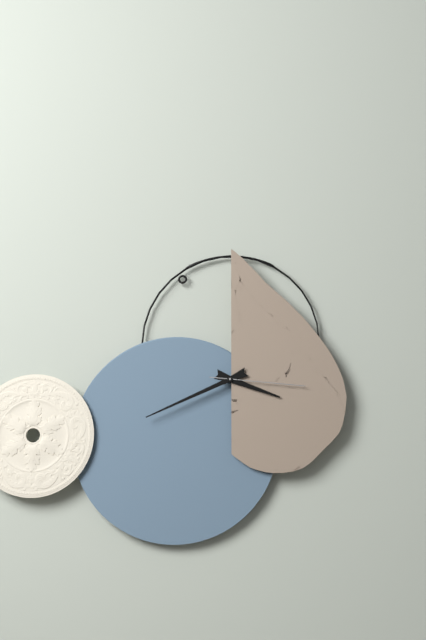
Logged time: 3 h 41 min 16 s
